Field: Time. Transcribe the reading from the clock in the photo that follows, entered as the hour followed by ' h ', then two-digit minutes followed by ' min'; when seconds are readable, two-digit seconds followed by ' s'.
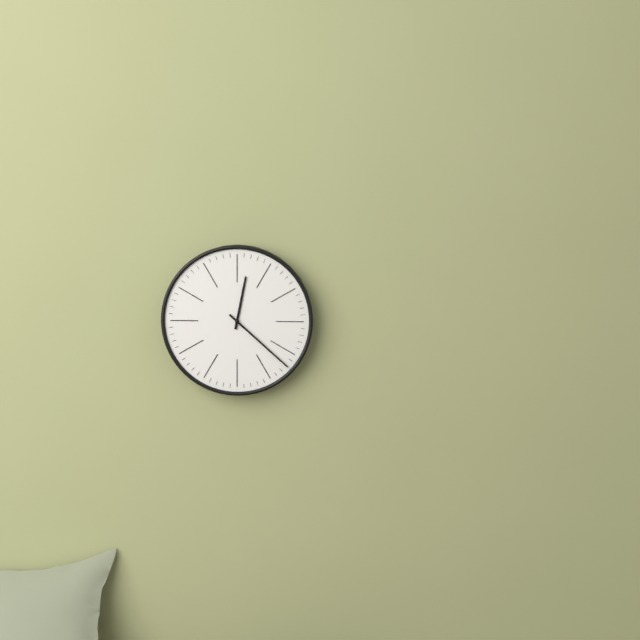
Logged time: 12 h 22 min
